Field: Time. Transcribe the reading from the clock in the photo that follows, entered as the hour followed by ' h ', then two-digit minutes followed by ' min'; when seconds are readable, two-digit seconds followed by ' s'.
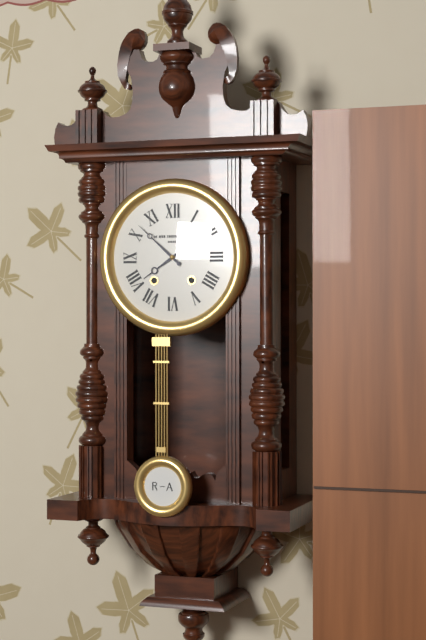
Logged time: 7 h 52 min
